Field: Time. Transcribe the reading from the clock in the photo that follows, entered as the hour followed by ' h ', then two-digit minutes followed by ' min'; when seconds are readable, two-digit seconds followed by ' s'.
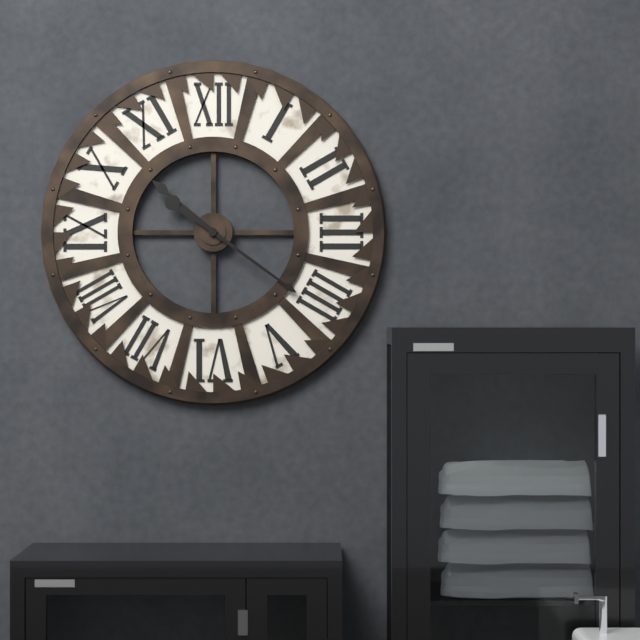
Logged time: 10 h 21 min
